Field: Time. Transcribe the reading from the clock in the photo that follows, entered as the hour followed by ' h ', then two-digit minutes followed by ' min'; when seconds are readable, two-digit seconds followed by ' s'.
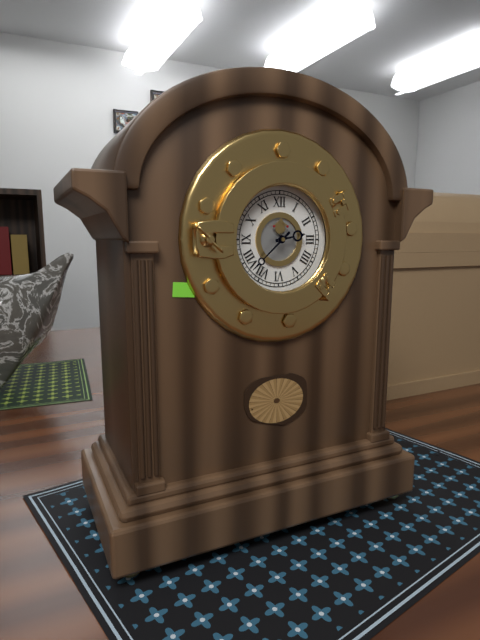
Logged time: 2 h 38 min
